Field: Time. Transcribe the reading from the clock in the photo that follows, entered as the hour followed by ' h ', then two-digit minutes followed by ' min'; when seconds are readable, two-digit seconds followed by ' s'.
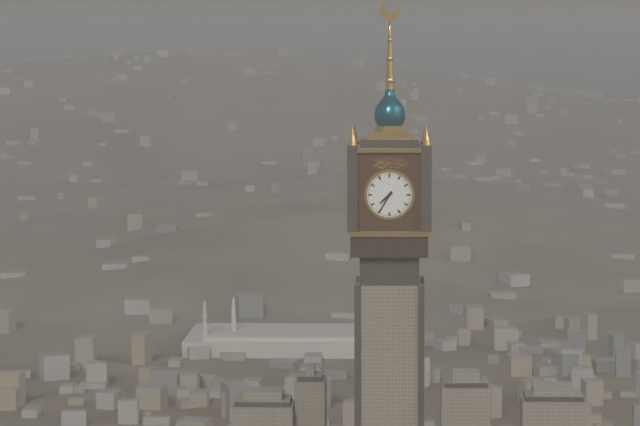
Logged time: 7 h 35 min
